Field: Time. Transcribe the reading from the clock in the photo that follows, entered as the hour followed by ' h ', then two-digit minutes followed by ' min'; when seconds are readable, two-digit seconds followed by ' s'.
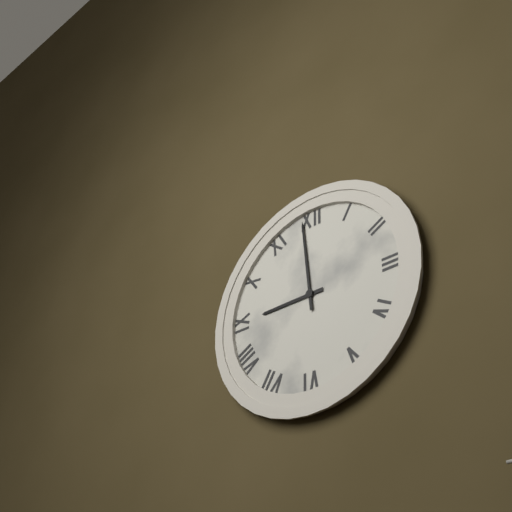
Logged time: 8 h 59 min
